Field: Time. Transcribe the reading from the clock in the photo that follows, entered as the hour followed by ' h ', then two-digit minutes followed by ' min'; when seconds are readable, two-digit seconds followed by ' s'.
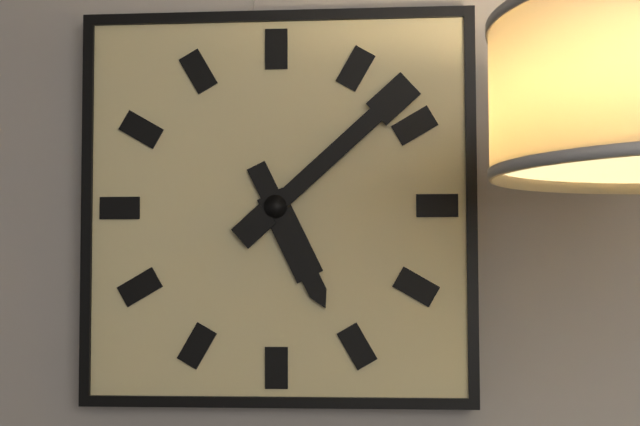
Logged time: 5 h 08 min
